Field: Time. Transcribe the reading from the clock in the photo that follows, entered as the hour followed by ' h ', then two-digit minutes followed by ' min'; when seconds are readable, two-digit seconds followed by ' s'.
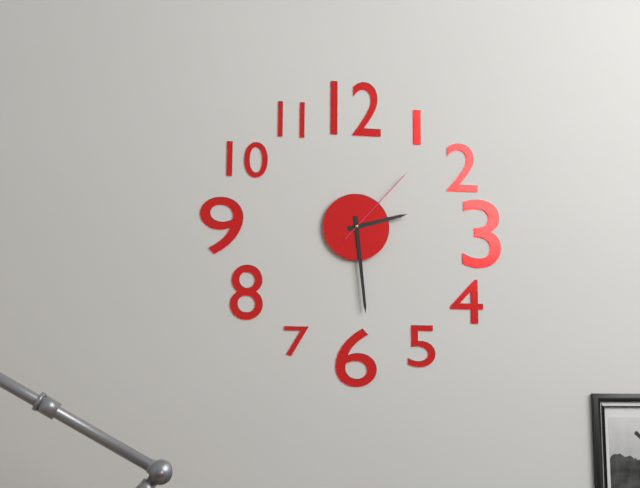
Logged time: 2 h 29 min 07 s
